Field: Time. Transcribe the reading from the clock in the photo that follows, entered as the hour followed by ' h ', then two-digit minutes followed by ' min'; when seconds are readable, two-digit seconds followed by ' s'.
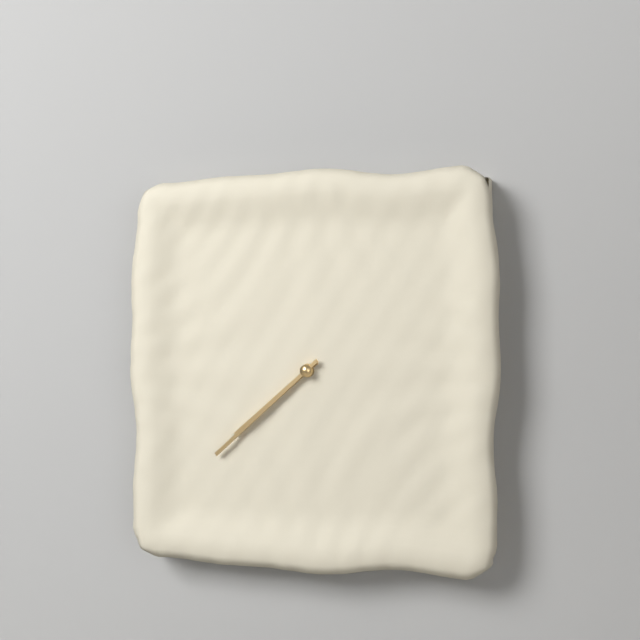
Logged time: 7 h 38 min
